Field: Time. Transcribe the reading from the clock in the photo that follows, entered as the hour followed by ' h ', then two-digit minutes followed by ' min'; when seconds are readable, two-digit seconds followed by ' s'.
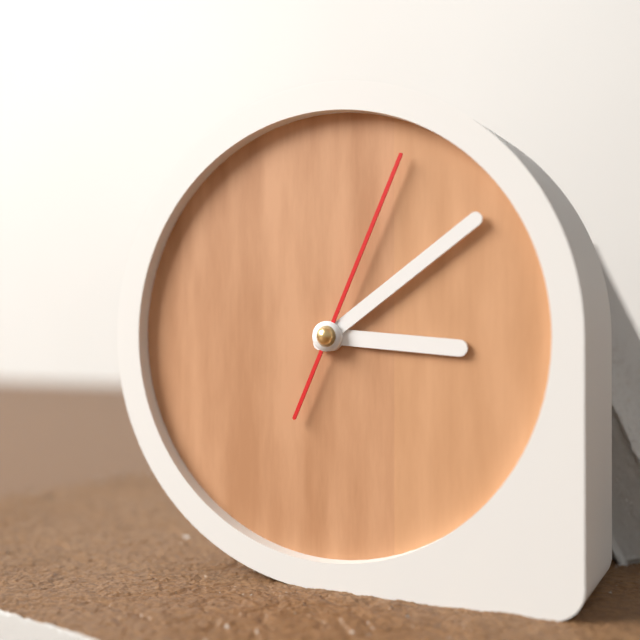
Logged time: 3 h 09 min 04 s
